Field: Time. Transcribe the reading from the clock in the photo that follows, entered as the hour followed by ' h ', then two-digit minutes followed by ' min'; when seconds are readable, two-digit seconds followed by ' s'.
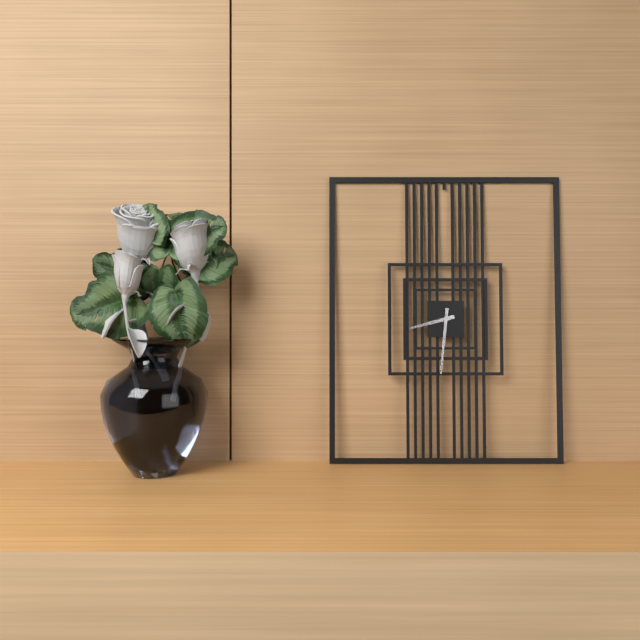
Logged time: 8 h 31 min
